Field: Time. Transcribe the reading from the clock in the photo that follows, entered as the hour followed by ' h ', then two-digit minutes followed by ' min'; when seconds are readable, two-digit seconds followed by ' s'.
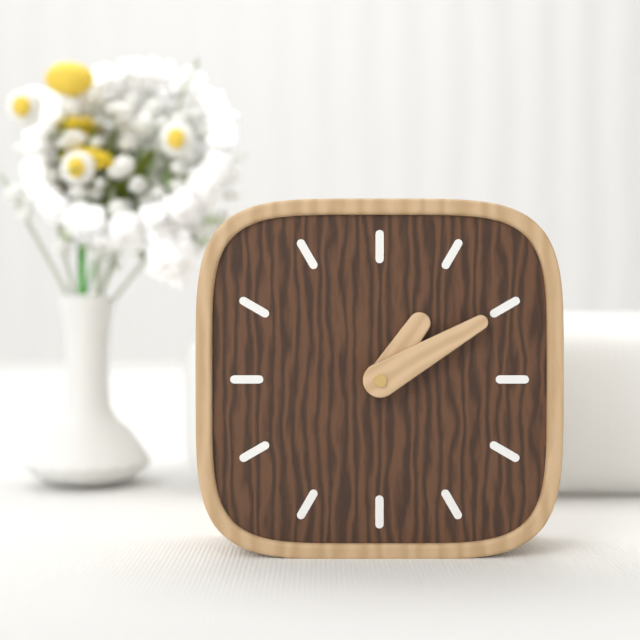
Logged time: 1 h 10 min
